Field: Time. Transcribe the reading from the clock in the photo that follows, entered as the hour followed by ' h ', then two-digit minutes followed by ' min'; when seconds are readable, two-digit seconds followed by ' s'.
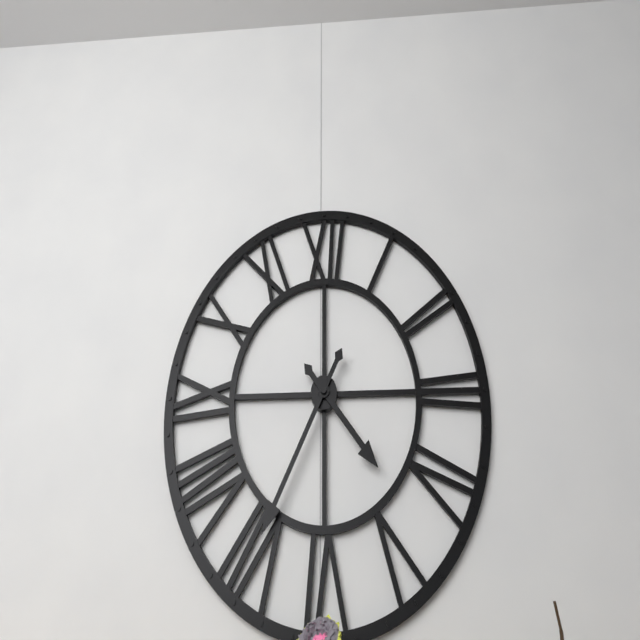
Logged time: 4 h 35 min
